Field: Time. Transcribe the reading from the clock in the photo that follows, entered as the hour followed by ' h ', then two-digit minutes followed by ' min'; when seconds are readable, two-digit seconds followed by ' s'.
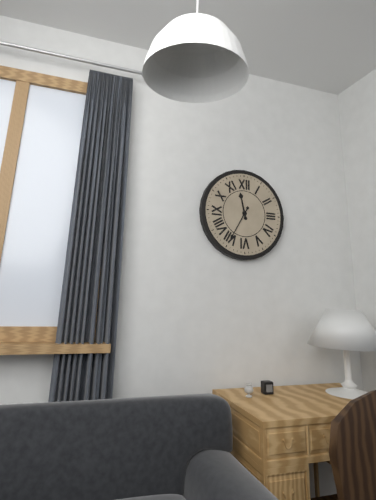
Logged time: 11 h 35 min
